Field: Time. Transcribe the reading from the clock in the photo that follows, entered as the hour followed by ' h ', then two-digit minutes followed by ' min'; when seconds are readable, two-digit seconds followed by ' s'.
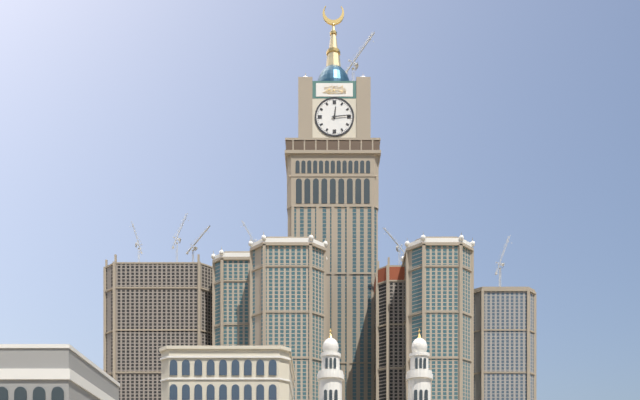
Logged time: 12 h 14 min
